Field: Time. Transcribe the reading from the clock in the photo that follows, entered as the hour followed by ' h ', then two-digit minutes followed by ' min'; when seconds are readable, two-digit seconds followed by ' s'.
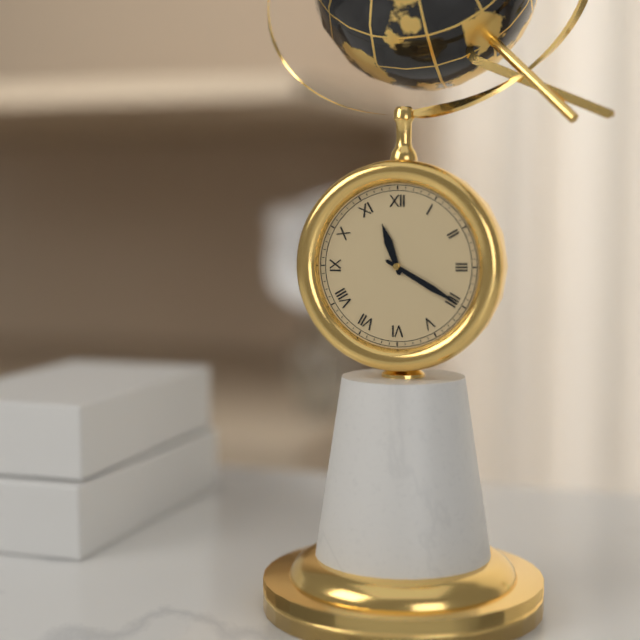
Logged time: 11 h 20 min
